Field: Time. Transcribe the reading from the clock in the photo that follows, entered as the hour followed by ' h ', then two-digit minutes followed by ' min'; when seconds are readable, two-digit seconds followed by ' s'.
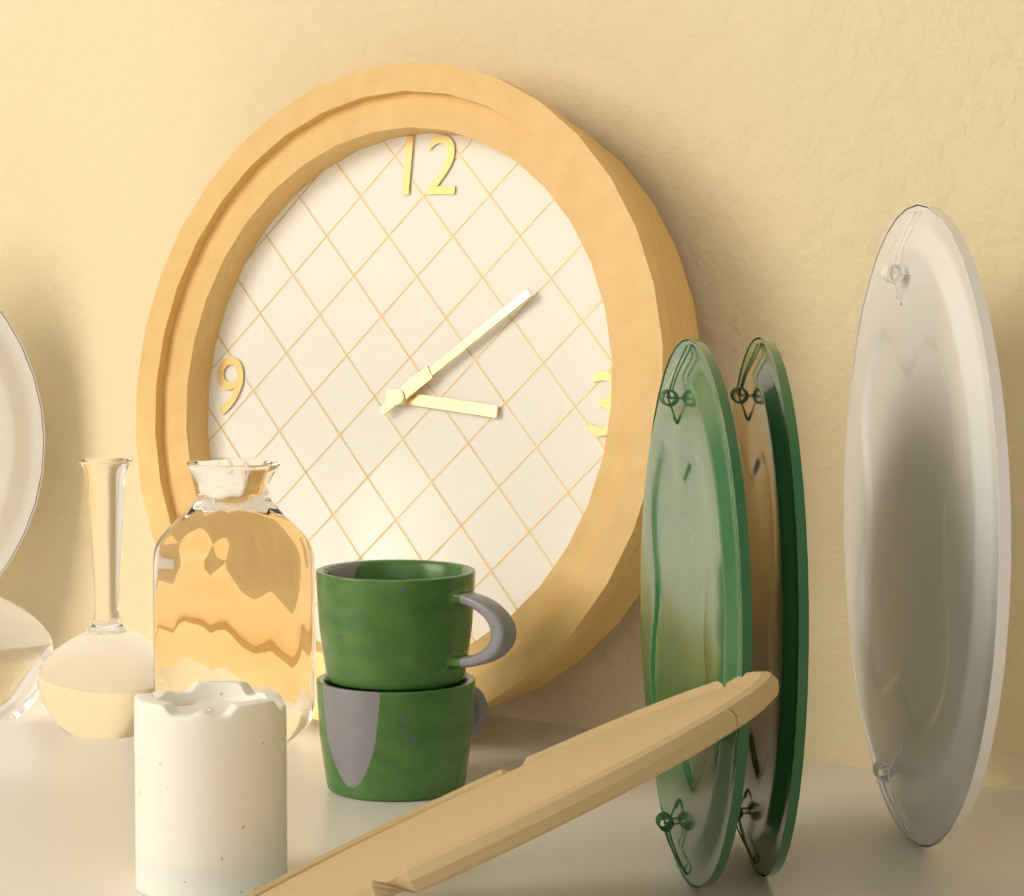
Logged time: 3 h 09 min
